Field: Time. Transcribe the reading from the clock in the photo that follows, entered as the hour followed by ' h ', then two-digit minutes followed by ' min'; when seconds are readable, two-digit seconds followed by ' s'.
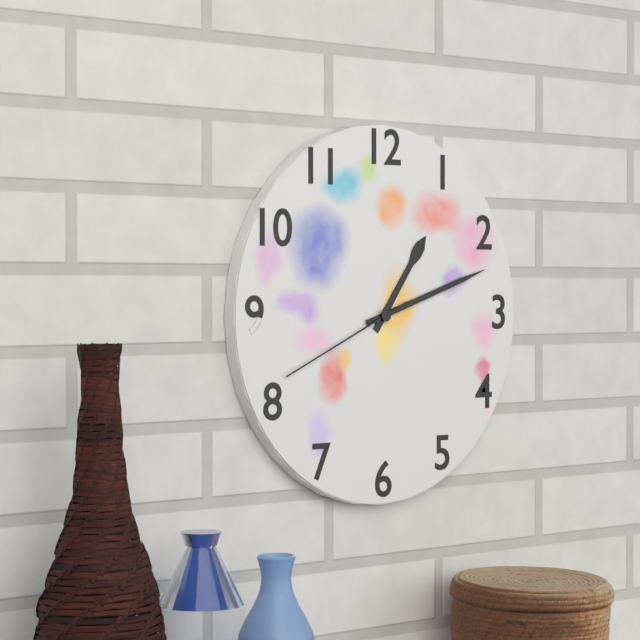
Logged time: 1 h 12 min 41 s
